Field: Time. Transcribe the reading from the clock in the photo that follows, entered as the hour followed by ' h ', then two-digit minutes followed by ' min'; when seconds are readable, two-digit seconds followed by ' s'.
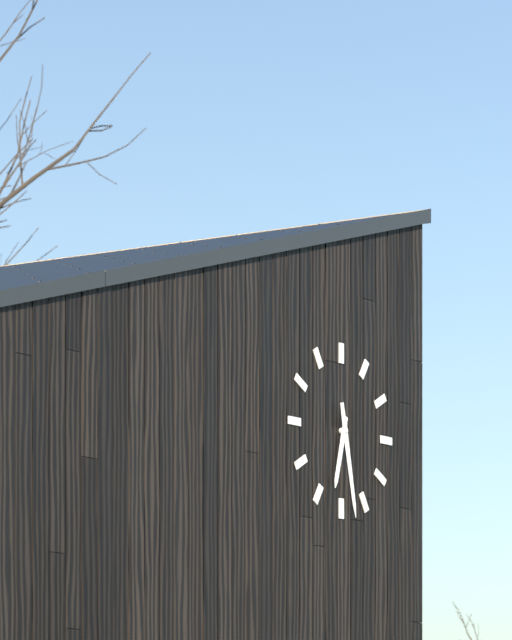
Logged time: 6 h 28 min
